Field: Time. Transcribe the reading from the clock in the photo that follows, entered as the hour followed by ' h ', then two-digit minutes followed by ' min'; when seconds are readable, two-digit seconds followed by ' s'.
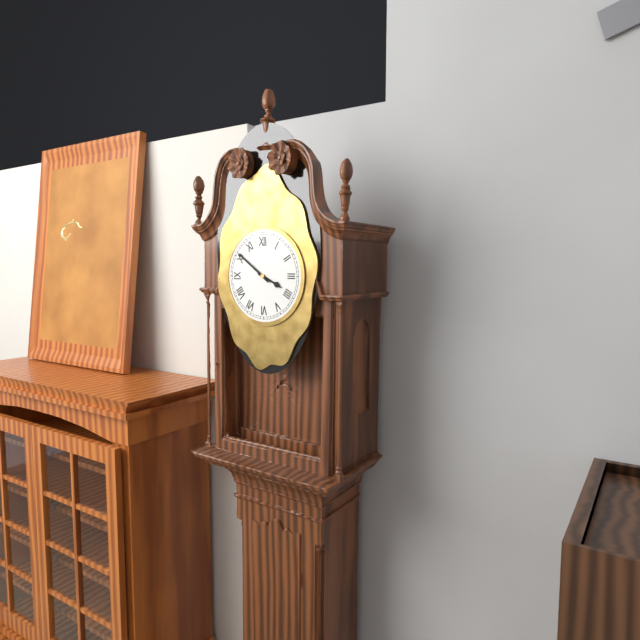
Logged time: 3 h 51 min
